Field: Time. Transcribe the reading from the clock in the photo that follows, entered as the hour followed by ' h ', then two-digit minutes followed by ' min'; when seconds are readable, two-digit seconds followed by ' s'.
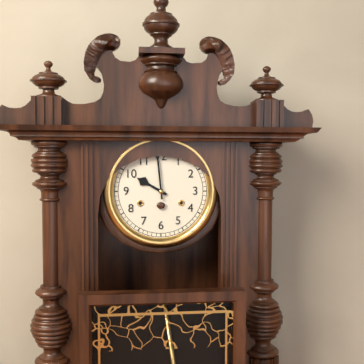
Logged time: 9 h 59 min
